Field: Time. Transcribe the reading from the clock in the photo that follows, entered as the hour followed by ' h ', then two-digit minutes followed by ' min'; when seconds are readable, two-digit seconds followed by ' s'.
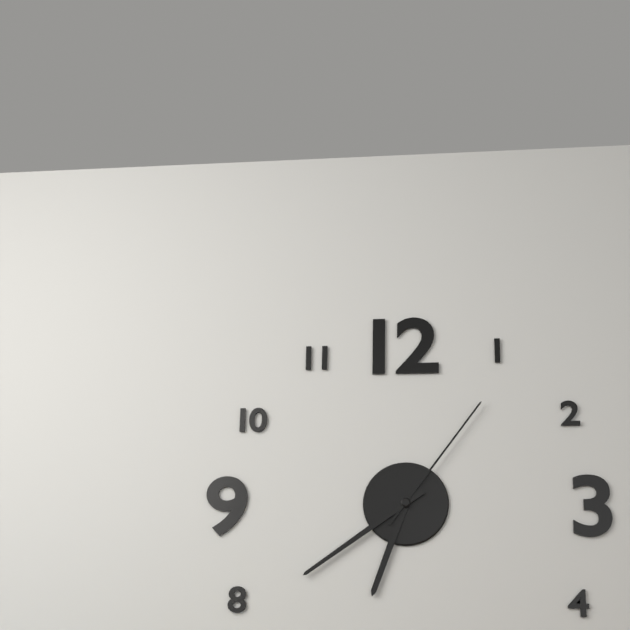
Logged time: 6 h 39 min 06 s
